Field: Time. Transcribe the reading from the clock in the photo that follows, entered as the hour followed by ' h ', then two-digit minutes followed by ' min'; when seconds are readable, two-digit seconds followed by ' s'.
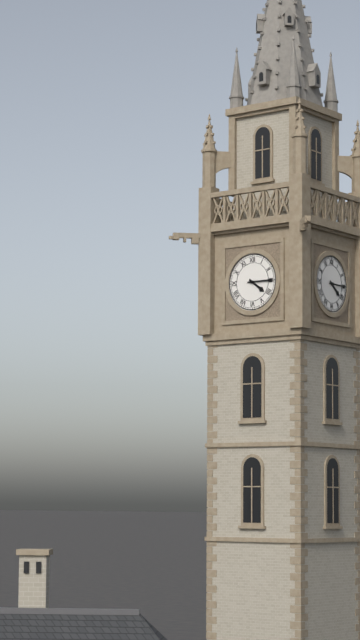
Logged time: 4 h 15 min
